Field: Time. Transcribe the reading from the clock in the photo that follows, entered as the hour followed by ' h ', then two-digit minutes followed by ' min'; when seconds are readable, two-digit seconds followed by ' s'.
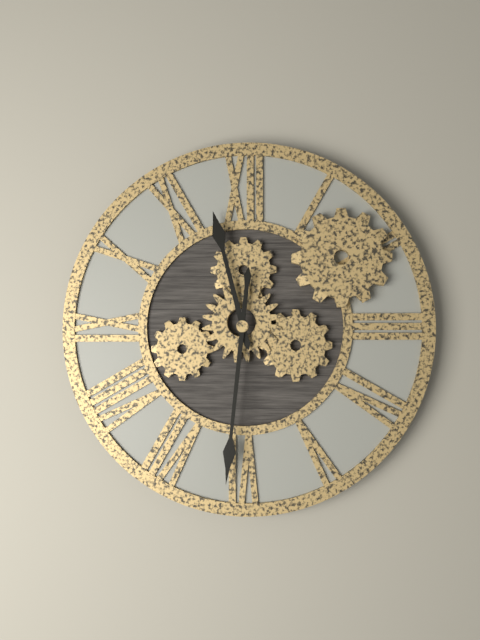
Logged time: 11 h 31 min
